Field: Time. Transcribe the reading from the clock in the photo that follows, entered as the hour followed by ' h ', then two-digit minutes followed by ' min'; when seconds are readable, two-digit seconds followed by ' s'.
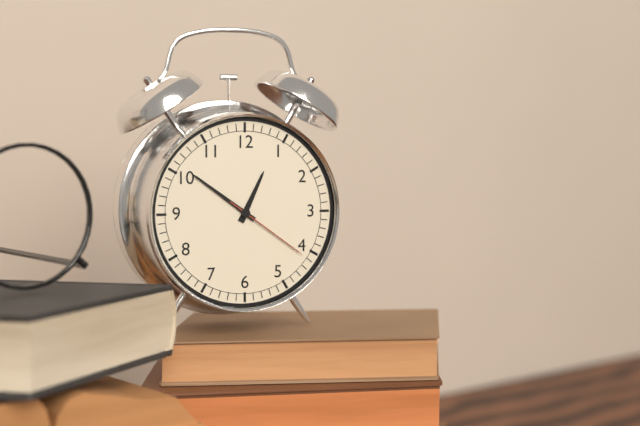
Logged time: 12 h 51 min 21 s
